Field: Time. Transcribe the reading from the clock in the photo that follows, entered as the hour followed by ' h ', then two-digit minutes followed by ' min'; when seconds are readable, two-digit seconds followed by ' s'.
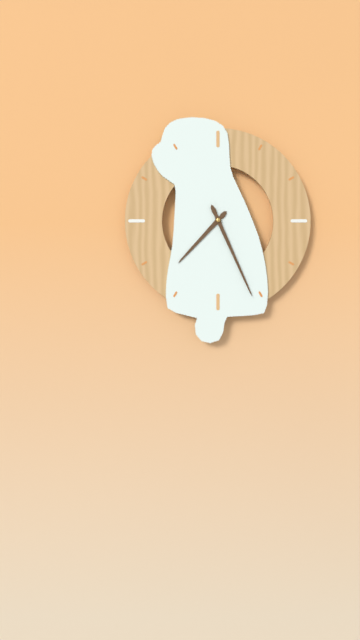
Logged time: 7 h 26 min
